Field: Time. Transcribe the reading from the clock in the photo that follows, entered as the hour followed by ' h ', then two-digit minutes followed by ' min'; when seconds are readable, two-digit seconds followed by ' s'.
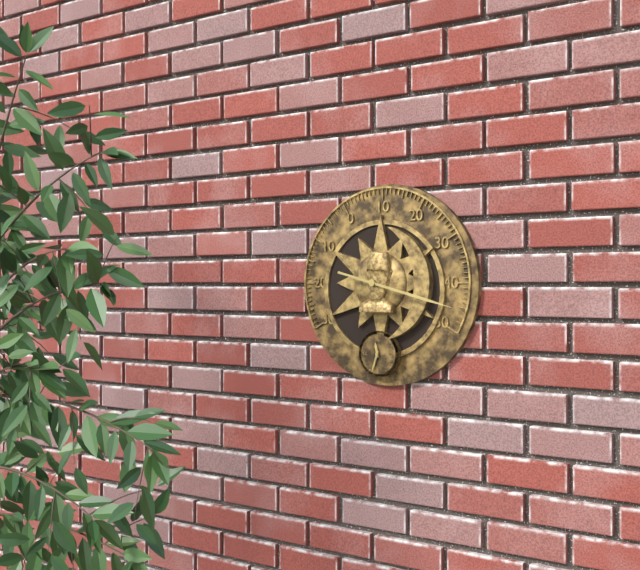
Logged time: 11 h 33 min
